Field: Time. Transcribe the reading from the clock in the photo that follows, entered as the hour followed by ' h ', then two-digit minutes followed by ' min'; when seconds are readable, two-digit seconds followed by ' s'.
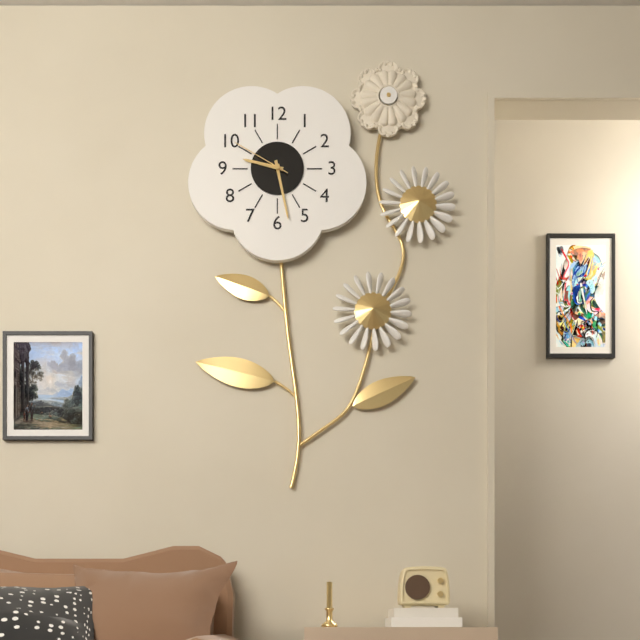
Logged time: 9 h 28 min 50 s
